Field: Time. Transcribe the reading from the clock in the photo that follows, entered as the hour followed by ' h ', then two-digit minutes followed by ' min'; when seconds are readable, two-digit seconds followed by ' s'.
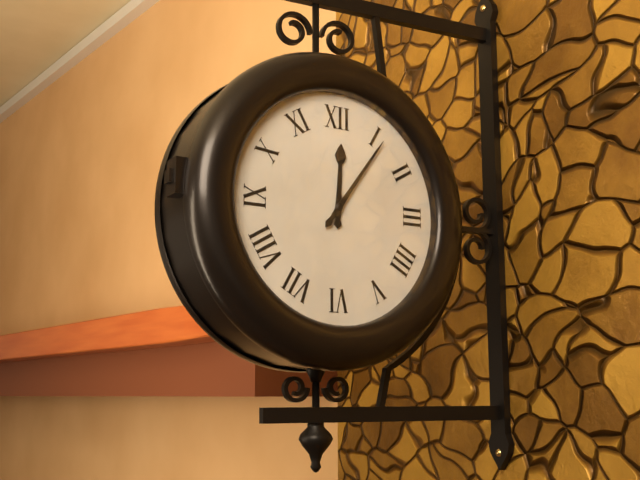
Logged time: 12 h 06 min
